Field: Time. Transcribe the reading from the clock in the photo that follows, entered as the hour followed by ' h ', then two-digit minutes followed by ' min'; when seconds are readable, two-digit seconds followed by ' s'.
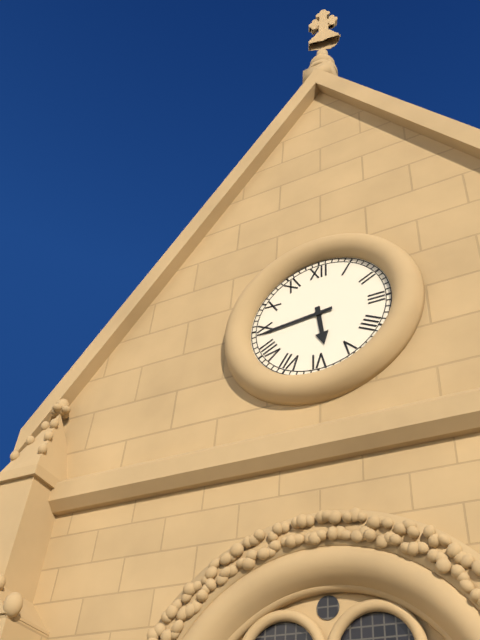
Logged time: 5 h 44 min
